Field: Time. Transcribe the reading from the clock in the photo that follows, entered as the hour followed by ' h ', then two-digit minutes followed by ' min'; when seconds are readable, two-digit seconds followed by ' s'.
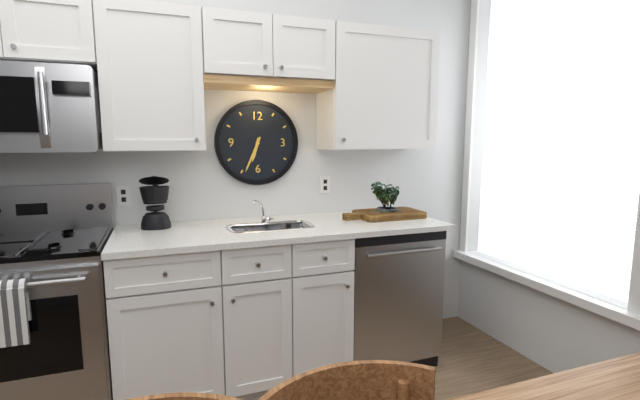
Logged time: 6 h 34 min
